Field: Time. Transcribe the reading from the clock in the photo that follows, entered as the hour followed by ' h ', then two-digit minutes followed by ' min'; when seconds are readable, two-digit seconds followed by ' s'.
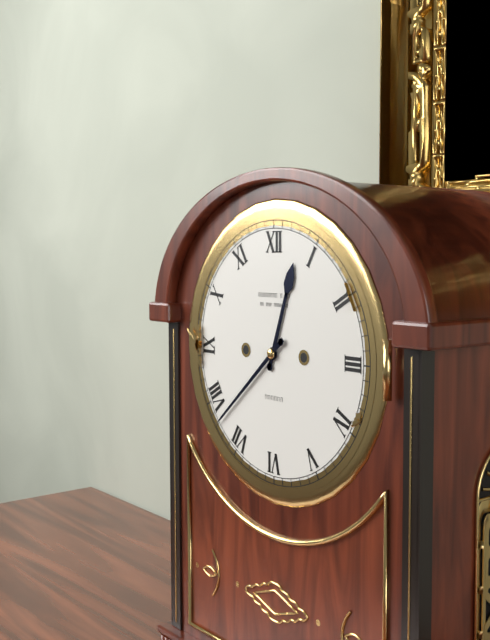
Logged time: 12 h 38 min
